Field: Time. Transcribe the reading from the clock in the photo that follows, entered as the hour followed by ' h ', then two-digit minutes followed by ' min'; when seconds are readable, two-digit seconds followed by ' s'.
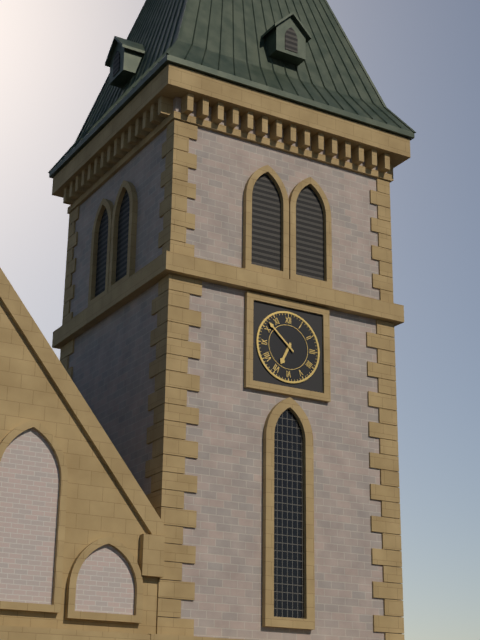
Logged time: 6 h 52 min
